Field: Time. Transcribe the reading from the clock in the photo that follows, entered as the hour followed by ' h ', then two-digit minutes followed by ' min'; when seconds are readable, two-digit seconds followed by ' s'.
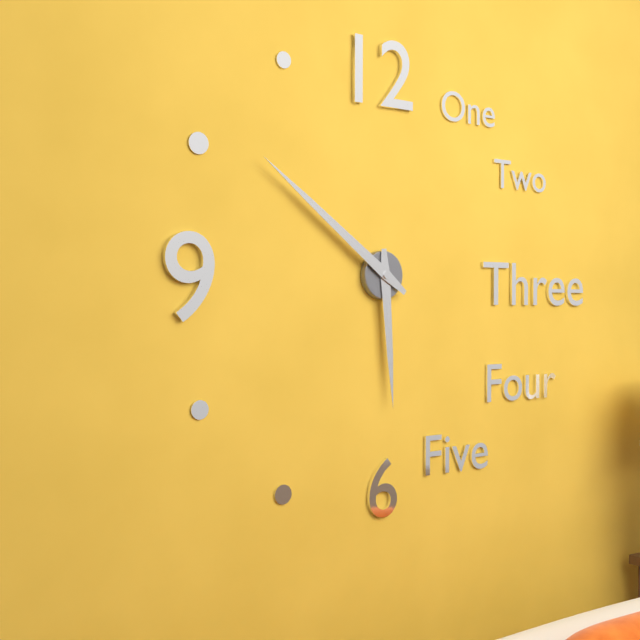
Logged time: 5 h 51 min
